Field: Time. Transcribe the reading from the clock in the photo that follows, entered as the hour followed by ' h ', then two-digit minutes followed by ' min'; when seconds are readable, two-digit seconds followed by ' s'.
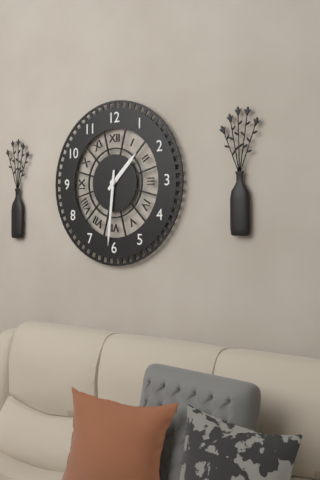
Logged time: 1 h 31 min
